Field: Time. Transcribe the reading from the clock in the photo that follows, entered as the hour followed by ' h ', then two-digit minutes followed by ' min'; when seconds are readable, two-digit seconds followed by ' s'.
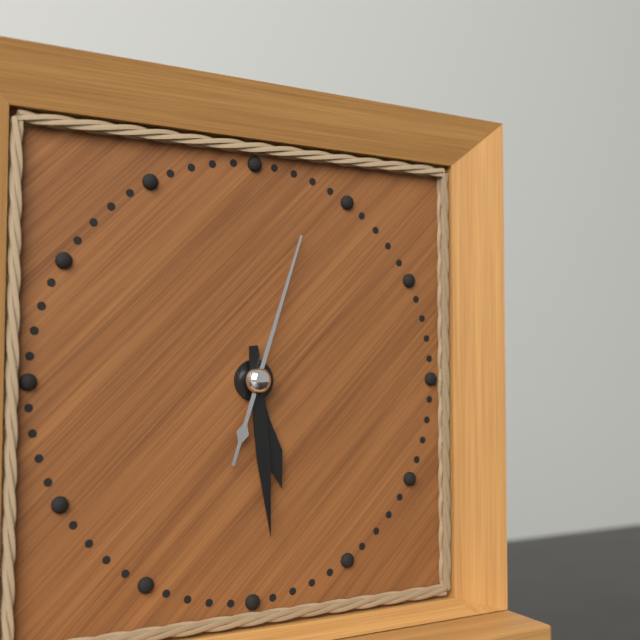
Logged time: 5 h 29 min 03 s
